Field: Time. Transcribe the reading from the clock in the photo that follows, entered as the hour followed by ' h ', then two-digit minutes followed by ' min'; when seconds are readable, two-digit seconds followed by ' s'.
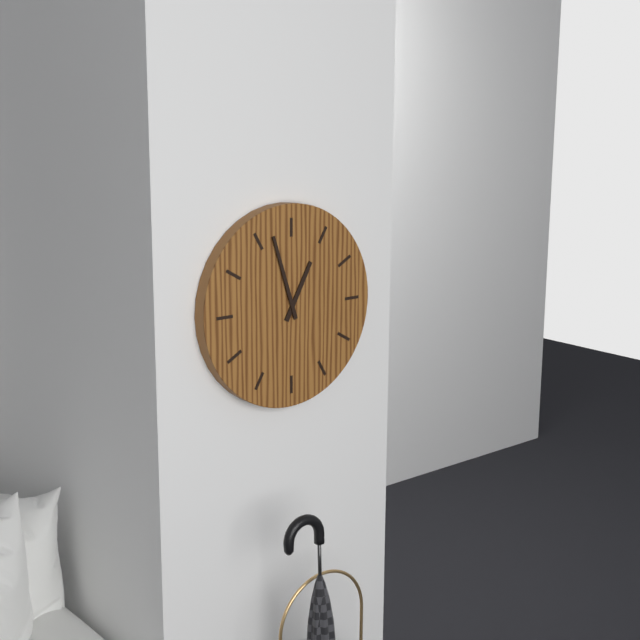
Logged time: 12 h 57 min
